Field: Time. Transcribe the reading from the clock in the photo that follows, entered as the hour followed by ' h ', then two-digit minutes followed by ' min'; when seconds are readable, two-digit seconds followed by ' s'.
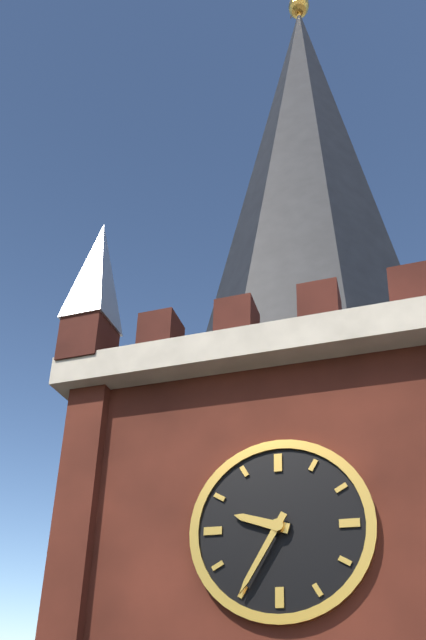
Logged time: 9 h 35 min
